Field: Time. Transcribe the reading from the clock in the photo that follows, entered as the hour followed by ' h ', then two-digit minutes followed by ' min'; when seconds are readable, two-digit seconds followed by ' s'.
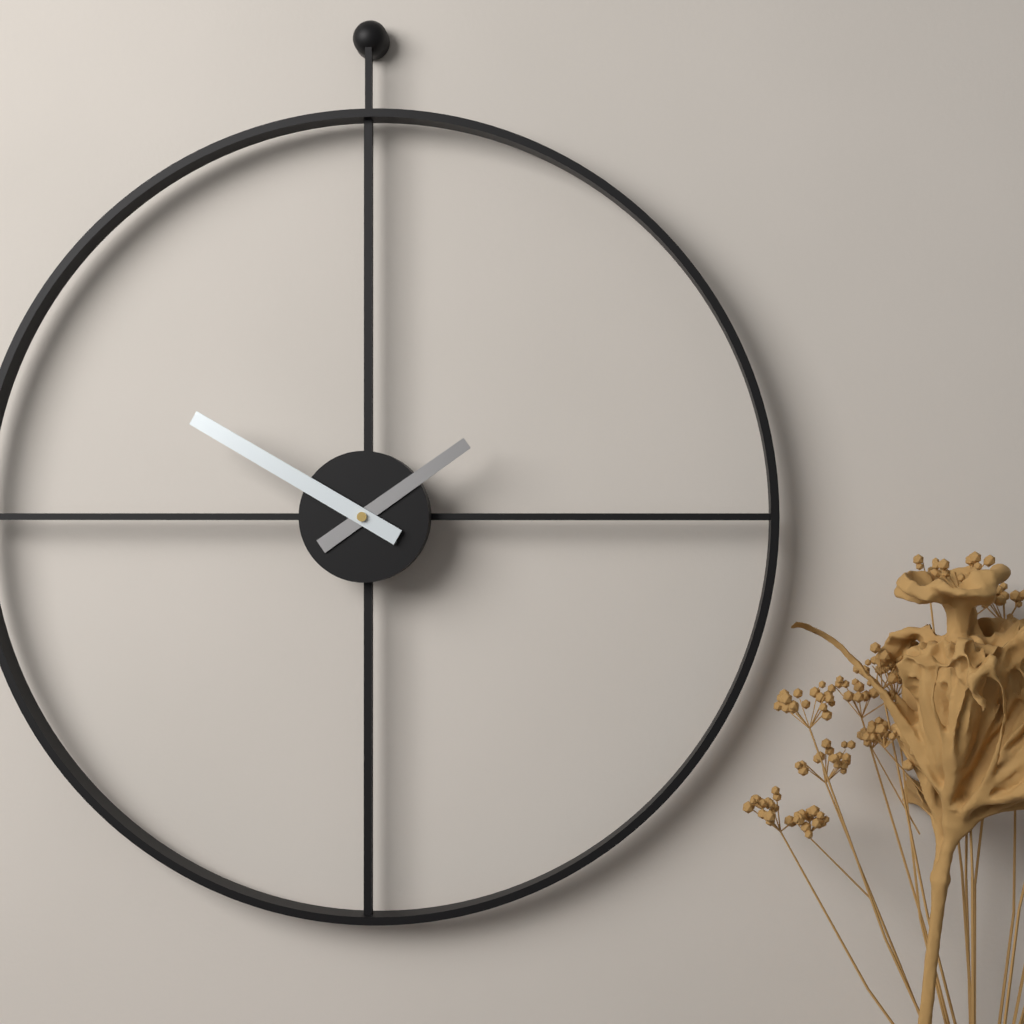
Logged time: 1 h 50 min
